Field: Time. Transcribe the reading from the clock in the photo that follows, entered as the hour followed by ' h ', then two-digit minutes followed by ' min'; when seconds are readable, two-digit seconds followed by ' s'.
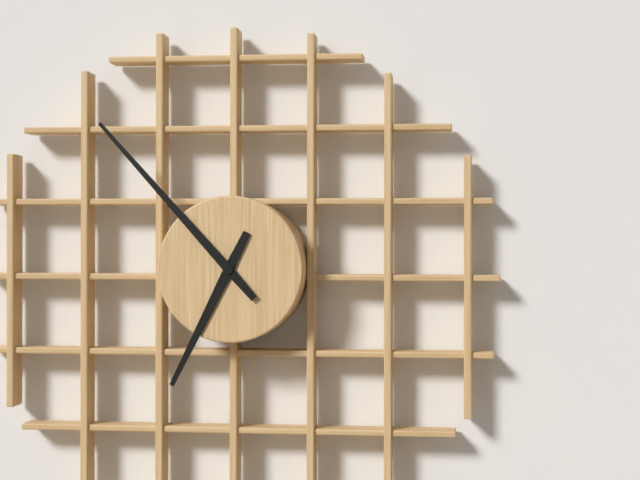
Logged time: 6 h 53 min
